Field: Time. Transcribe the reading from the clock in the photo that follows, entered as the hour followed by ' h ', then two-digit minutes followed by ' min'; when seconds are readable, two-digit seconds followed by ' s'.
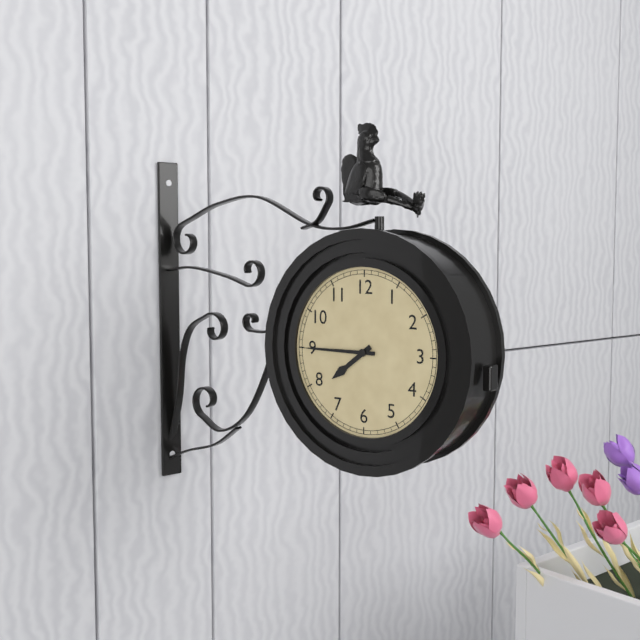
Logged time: 7 h 45 min
